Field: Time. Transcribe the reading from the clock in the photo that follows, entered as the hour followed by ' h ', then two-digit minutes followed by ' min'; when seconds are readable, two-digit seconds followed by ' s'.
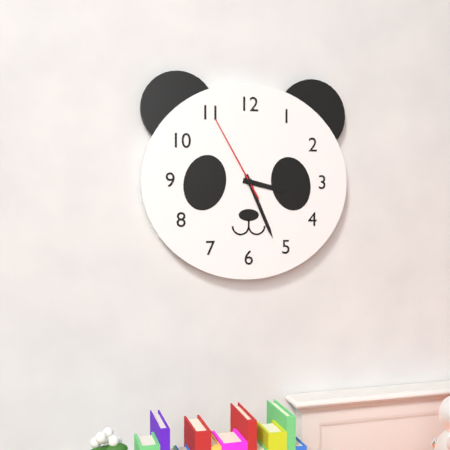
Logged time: 3 h 26 min 55 s
